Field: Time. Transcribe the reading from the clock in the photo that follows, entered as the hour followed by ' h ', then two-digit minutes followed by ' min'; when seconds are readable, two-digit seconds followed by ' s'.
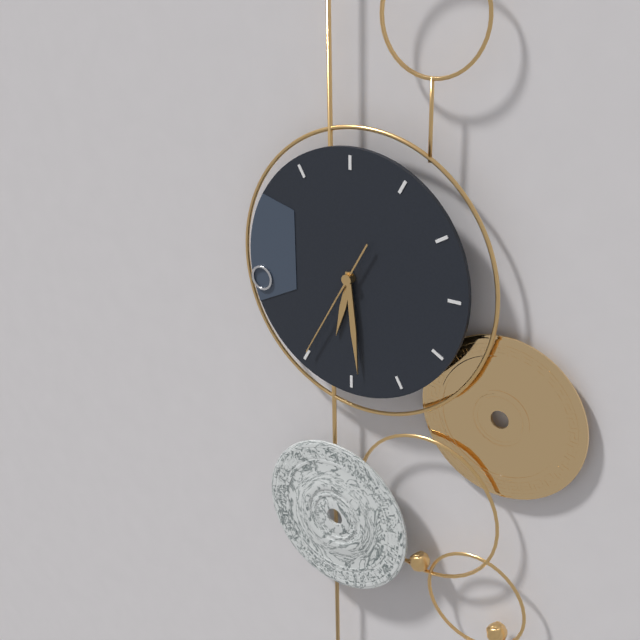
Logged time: 6 h 29 min 35 s
